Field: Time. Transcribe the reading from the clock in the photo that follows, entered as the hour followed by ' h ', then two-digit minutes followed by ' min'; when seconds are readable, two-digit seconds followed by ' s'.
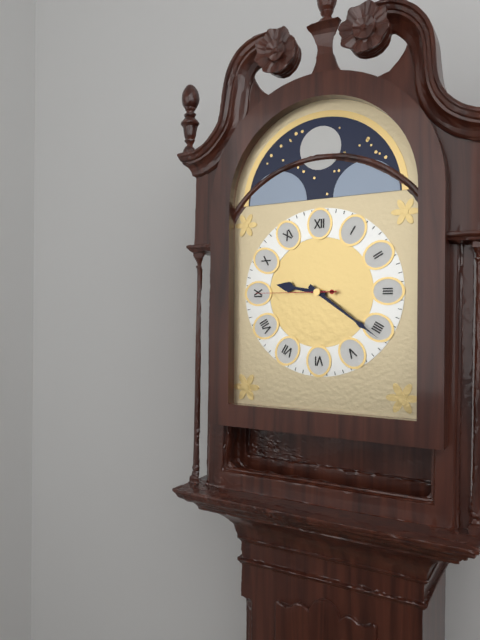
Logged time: 9 h 21 min 45 s
